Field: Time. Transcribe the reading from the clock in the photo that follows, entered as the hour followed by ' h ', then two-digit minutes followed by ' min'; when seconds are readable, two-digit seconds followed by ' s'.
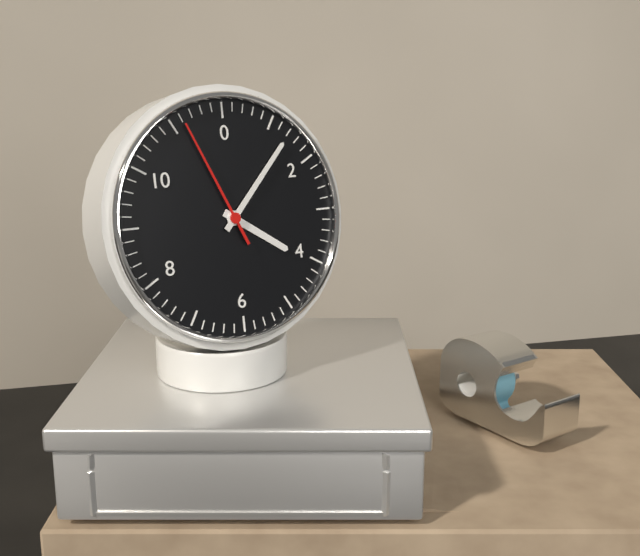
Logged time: 4 h 07 min 56 s
